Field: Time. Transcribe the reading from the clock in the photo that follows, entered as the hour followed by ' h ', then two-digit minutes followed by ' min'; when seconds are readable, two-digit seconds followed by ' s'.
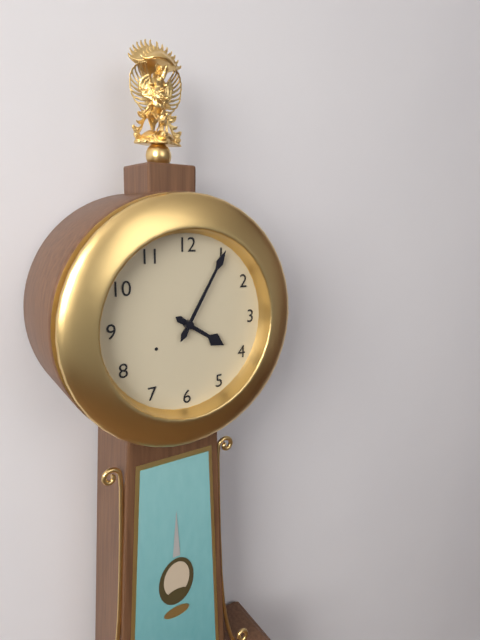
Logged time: 4 h 05 min
